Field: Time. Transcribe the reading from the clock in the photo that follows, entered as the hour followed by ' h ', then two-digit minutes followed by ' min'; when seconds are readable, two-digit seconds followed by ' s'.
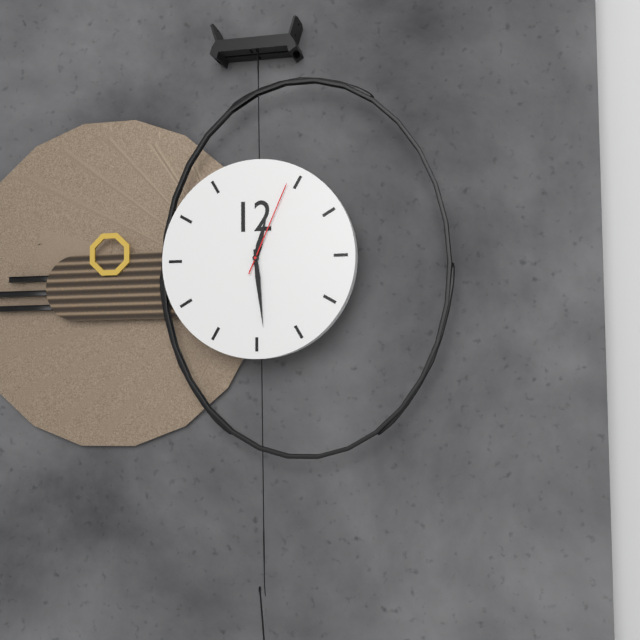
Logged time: 12 h 29 min 04 s
